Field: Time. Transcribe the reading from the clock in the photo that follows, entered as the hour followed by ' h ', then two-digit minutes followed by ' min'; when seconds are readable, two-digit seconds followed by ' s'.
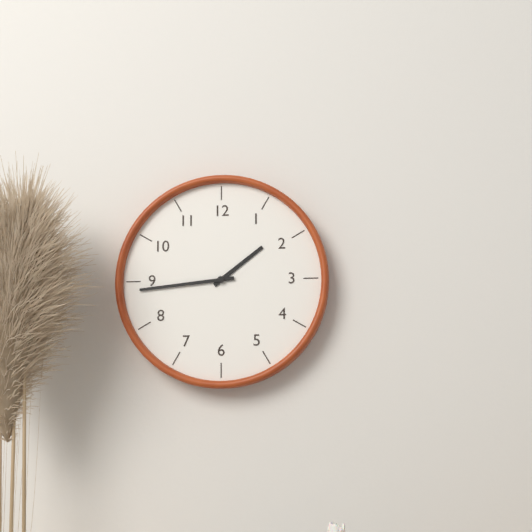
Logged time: 1 h 44 min
